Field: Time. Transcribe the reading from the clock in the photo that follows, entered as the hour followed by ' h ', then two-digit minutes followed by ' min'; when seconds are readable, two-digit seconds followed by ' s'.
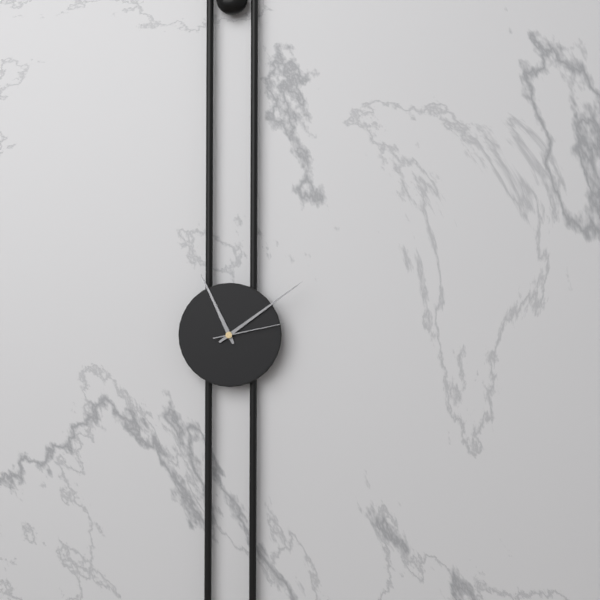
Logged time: 11 h 09 min 13 s
